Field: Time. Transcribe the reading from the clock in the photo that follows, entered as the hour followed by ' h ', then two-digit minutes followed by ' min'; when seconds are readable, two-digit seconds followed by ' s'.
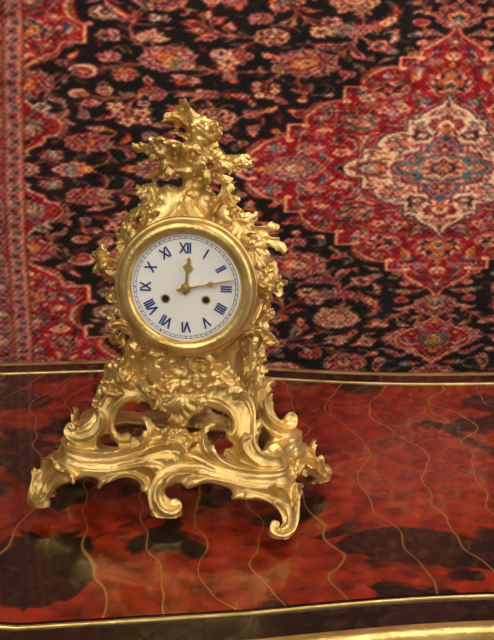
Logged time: 12 h 13 min
